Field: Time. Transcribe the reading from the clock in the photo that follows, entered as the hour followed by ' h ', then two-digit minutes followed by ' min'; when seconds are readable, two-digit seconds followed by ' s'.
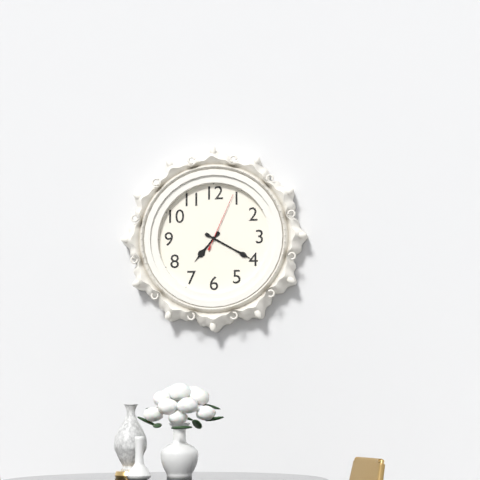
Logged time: 7 h 20 min 04 s
